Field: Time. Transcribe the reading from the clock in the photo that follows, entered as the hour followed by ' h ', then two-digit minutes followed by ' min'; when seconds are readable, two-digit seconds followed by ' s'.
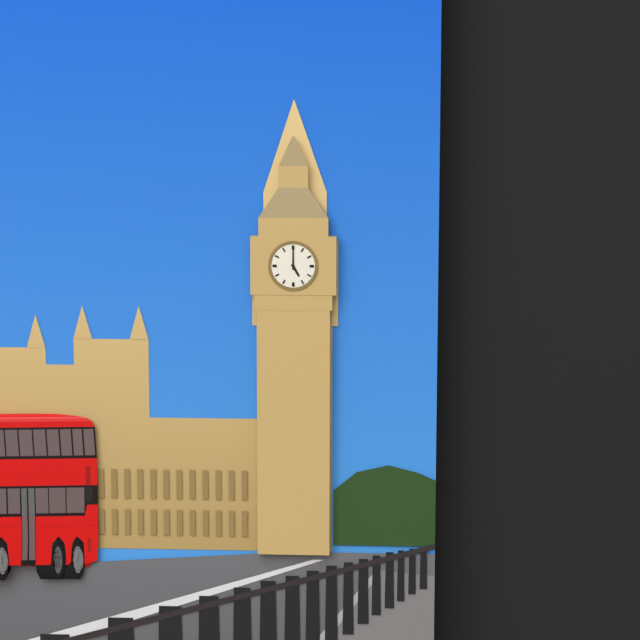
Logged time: 5 h 00 min
